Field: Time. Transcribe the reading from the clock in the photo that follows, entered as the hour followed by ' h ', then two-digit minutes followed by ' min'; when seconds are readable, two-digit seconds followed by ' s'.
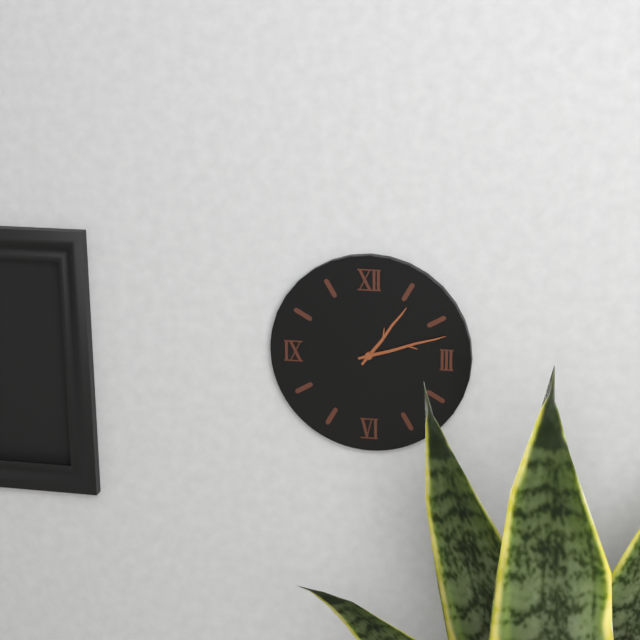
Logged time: 1 h 12 min
